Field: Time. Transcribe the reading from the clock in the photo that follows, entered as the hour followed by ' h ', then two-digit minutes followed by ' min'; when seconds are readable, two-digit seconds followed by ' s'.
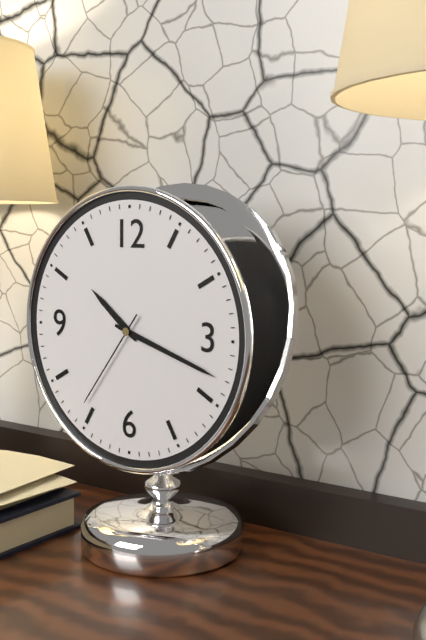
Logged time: 10 h 18 min 36 s
